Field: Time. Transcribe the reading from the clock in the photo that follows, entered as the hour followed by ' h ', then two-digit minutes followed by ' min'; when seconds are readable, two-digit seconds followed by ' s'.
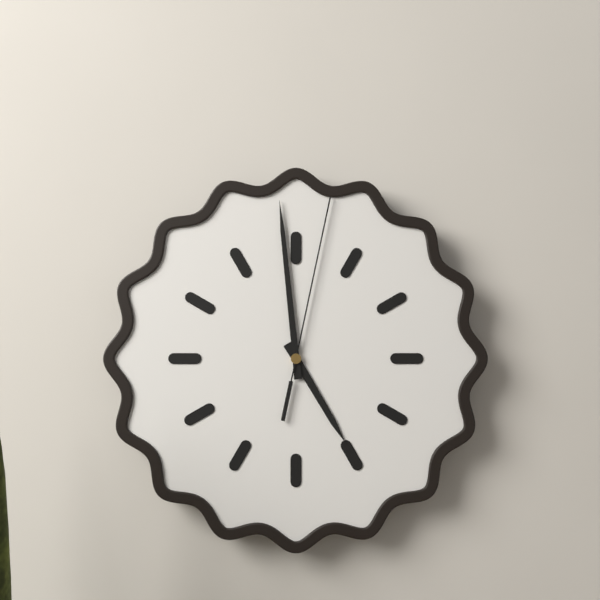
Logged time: 4 h 59 min 02 s
